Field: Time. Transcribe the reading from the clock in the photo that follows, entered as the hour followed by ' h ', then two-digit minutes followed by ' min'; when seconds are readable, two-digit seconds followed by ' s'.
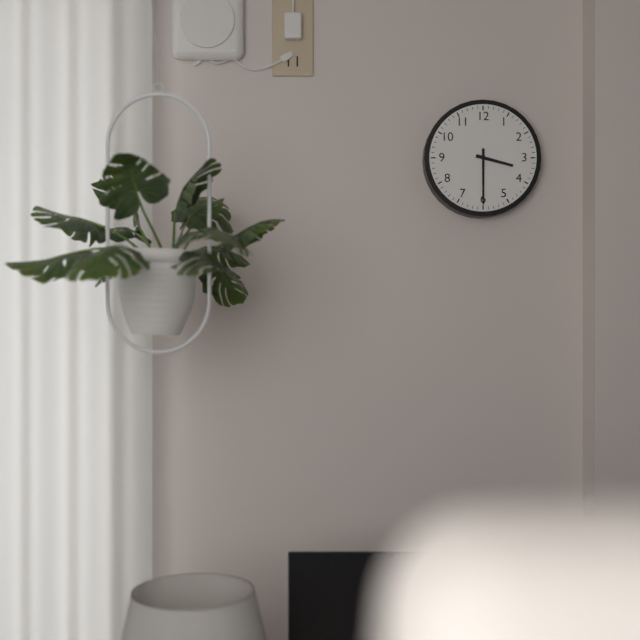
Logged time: 3 h 30 min
